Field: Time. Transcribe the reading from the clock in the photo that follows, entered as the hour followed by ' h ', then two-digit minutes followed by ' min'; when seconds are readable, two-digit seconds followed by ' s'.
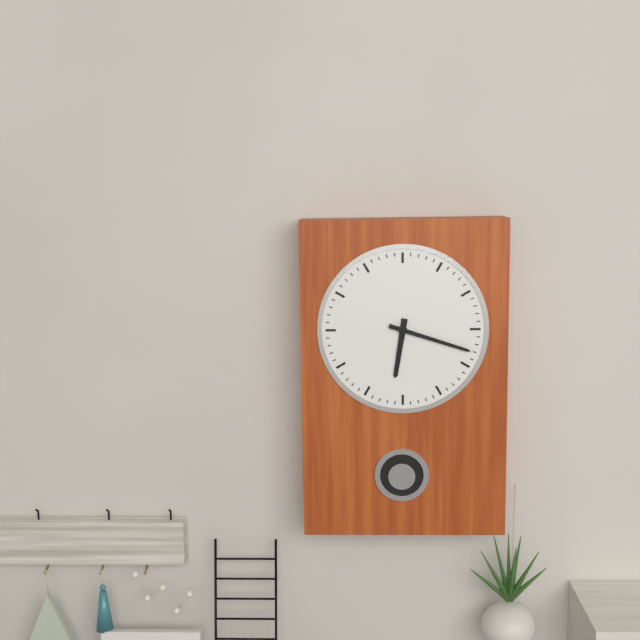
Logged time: 6 h 18 min
